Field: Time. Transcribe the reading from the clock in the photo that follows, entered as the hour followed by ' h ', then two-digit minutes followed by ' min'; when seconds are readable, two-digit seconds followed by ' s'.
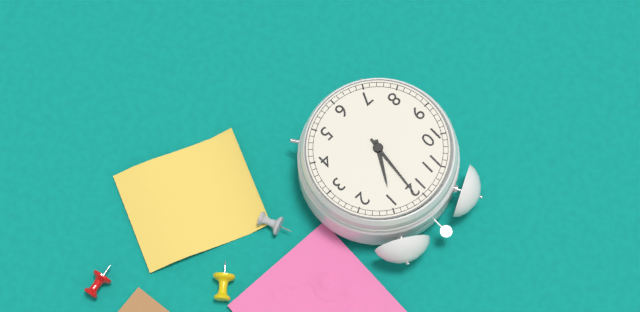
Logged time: 1 h 01 min
